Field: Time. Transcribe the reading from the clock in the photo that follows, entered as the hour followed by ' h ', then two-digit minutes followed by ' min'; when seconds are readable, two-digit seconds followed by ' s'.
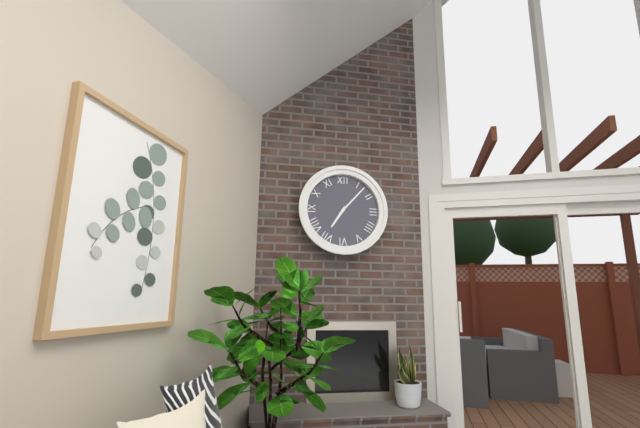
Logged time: 7 h 07 min
